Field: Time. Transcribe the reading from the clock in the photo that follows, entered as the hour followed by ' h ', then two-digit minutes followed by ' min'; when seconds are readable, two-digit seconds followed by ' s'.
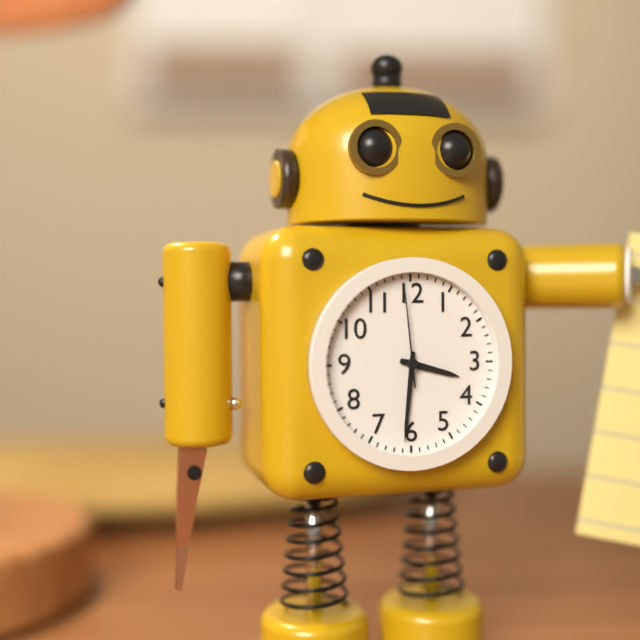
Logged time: 3 h 31 min 59 s
